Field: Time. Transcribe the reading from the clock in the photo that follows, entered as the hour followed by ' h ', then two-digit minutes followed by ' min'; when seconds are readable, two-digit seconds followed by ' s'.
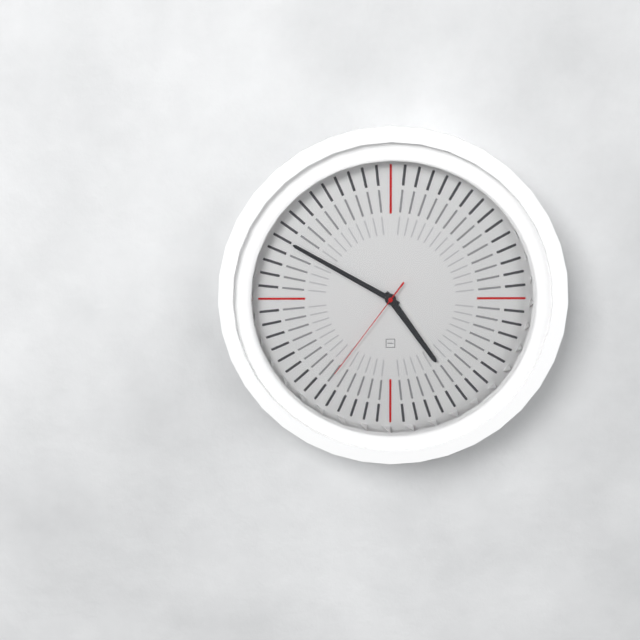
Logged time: 4 h 50 min 36 s
